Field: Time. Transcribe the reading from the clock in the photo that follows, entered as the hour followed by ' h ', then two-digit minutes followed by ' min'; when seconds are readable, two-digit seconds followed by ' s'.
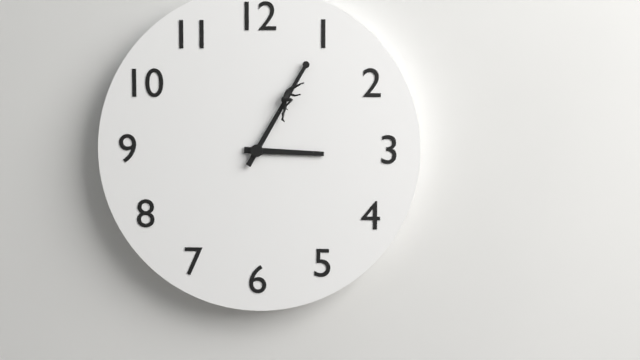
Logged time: 3 h 05 min
